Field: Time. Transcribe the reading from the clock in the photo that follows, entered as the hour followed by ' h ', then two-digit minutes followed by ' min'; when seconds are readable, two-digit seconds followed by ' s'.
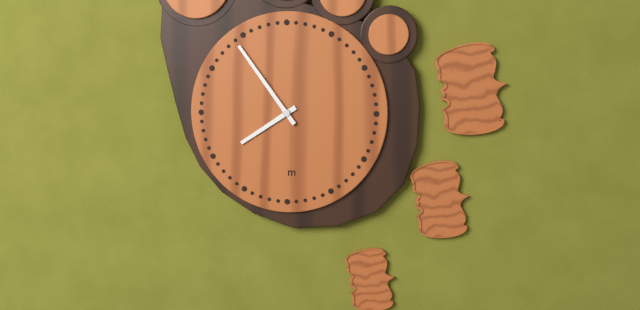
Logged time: 7 h 54 min
